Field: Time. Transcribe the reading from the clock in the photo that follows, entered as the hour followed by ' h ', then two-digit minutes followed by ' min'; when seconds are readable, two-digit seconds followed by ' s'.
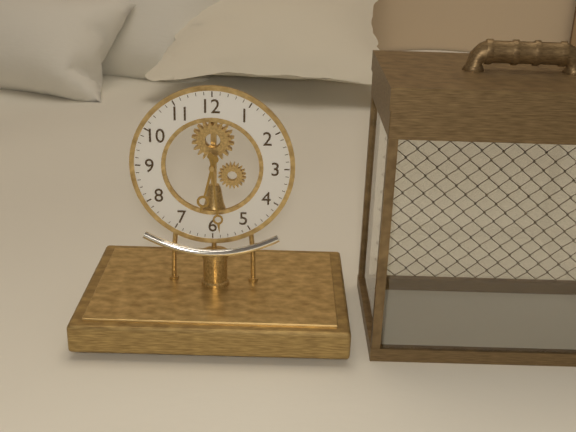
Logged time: 6 h 29 min
